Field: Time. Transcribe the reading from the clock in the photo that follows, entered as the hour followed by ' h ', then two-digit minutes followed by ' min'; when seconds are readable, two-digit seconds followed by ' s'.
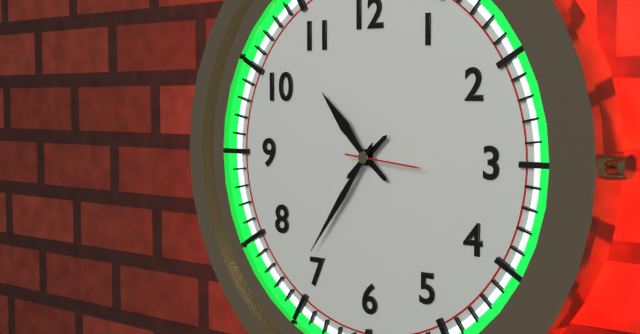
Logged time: 10 h 36 min 16 s
